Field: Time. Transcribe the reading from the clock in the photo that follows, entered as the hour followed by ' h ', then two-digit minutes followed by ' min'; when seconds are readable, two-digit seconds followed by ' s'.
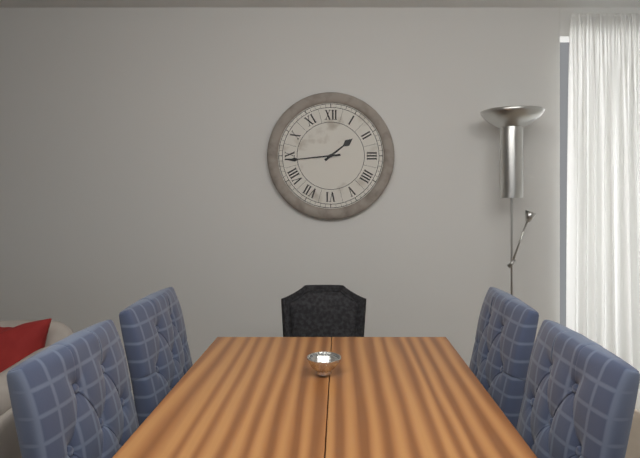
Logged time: 1 h 44 min
